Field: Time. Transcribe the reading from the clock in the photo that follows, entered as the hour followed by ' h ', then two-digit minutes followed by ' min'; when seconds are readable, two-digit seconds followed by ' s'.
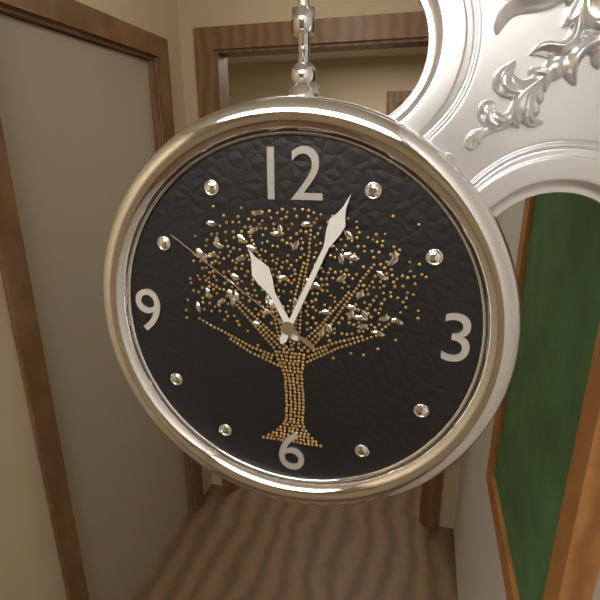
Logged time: 11 h 04 min 51 s
